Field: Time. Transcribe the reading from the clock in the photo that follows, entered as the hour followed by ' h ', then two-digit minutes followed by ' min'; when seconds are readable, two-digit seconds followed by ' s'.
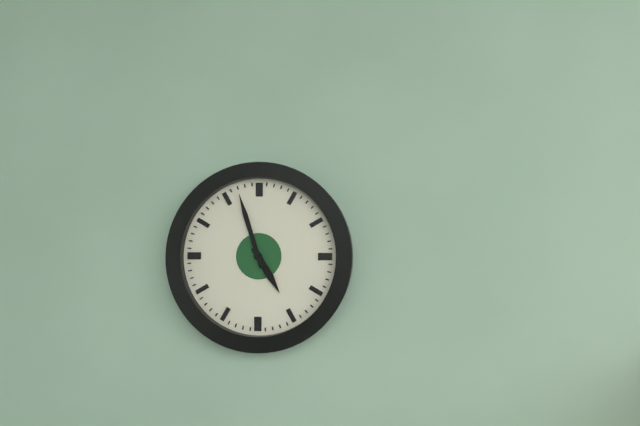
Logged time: 4 h 57 min
